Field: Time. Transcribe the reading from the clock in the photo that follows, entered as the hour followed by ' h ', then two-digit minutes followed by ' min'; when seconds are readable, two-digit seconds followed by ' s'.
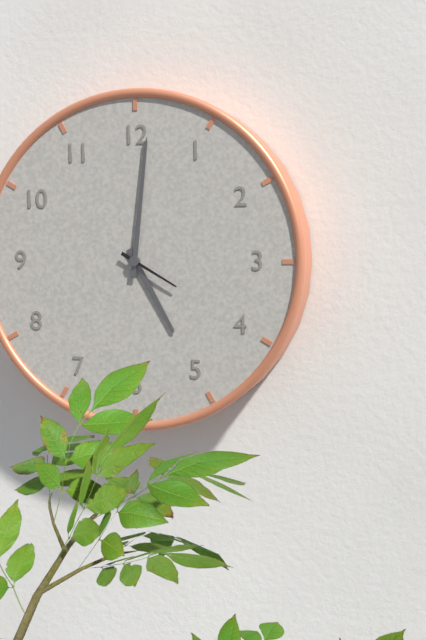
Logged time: 5 h 01 min 20 s
